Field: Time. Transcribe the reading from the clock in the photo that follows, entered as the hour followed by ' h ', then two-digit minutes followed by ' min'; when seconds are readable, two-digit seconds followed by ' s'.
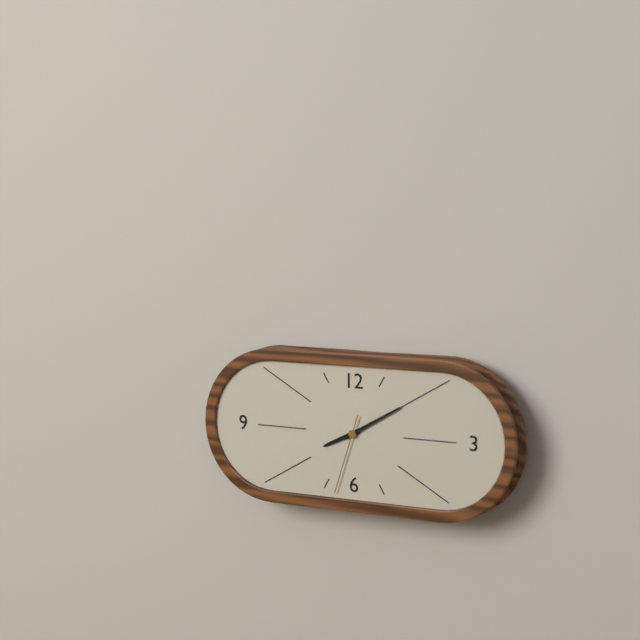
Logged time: 8 h 10 min 33 s
